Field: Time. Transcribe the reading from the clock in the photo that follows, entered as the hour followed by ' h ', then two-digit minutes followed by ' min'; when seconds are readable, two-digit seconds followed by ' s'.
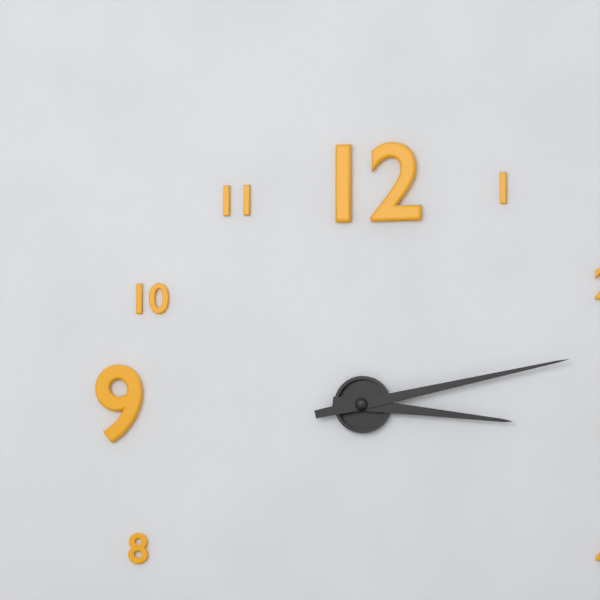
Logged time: 3 h 13 min
